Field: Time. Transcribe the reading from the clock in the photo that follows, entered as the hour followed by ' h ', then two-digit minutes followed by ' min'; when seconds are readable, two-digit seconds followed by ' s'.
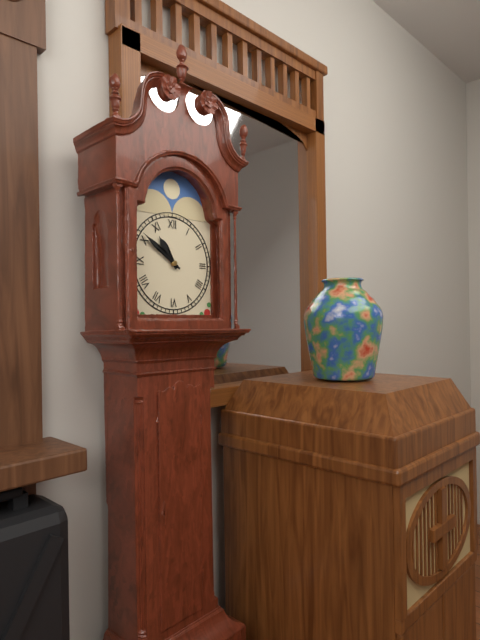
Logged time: 10 h 51 min
